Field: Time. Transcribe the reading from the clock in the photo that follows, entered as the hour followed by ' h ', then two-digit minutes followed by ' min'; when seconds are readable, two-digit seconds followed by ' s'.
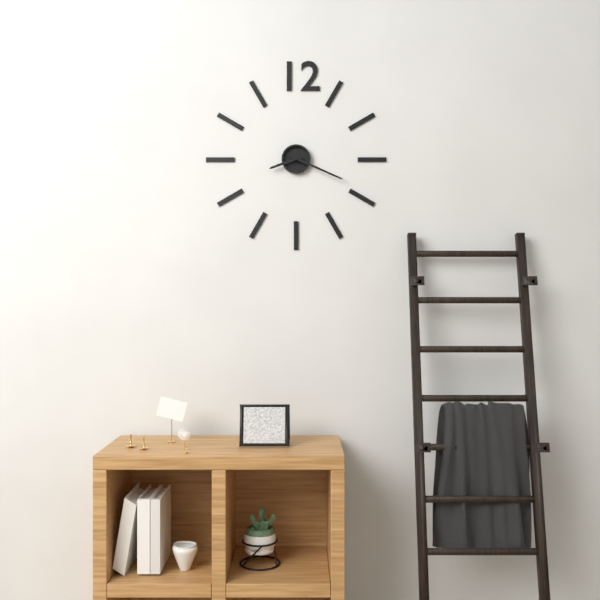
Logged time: 8 h 19 min
